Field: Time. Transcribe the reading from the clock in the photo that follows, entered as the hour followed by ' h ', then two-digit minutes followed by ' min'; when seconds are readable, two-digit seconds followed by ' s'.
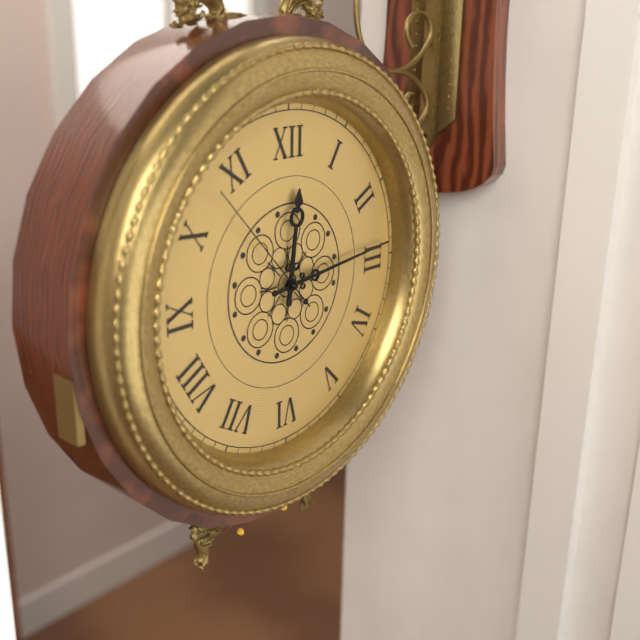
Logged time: 12 h 14 min 53 s
